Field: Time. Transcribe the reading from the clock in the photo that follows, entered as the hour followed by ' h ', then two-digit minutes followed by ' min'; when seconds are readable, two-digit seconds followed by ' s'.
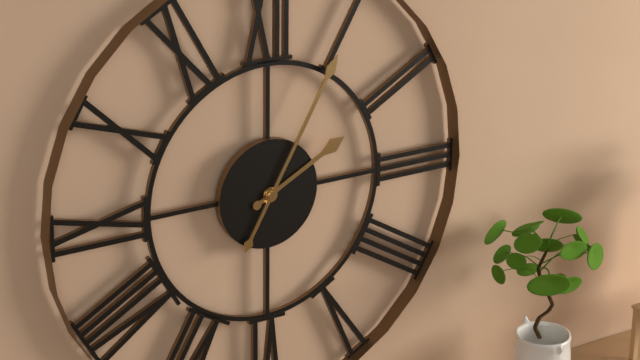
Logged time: 2 h 05 min
